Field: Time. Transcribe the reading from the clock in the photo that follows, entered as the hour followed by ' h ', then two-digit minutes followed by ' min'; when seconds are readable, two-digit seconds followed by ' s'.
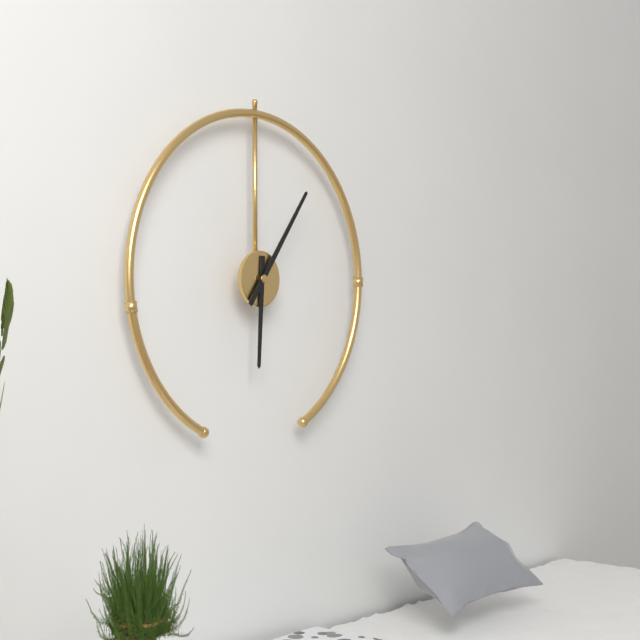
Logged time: 6 h 06 min
